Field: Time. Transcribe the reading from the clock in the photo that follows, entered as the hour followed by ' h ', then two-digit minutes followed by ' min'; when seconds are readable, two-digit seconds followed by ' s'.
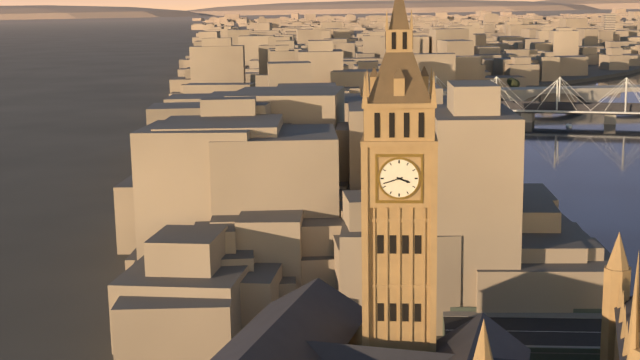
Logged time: 3 h 42 min
